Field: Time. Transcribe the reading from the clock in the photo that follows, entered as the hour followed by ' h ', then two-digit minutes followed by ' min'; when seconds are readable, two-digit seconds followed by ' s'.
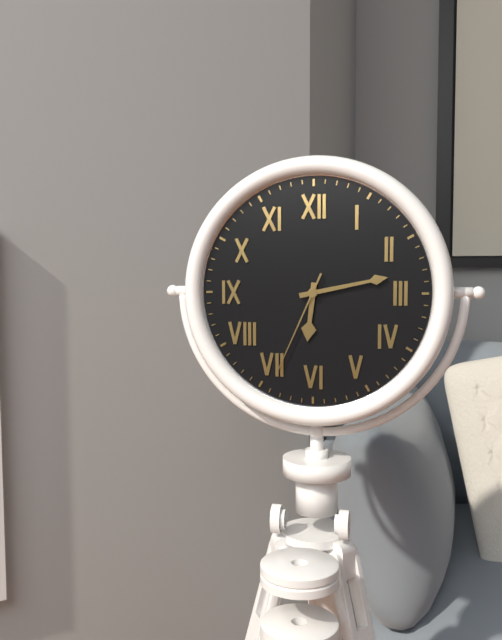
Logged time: 6 h 13 min 34 s
